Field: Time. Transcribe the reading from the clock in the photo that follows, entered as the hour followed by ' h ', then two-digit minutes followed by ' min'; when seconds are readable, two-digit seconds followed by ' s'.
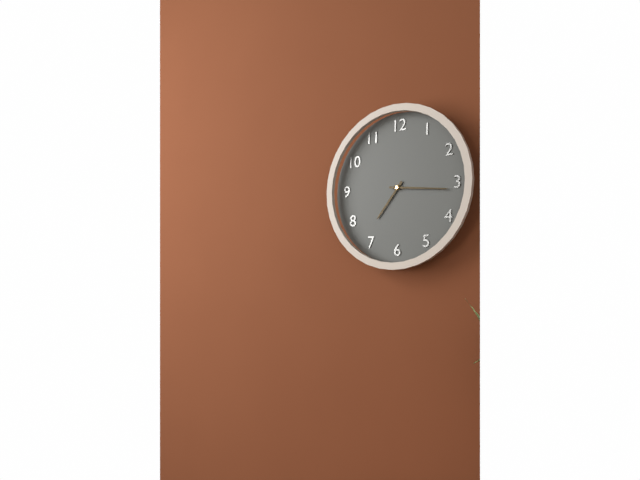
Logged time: 7 h 16 min
